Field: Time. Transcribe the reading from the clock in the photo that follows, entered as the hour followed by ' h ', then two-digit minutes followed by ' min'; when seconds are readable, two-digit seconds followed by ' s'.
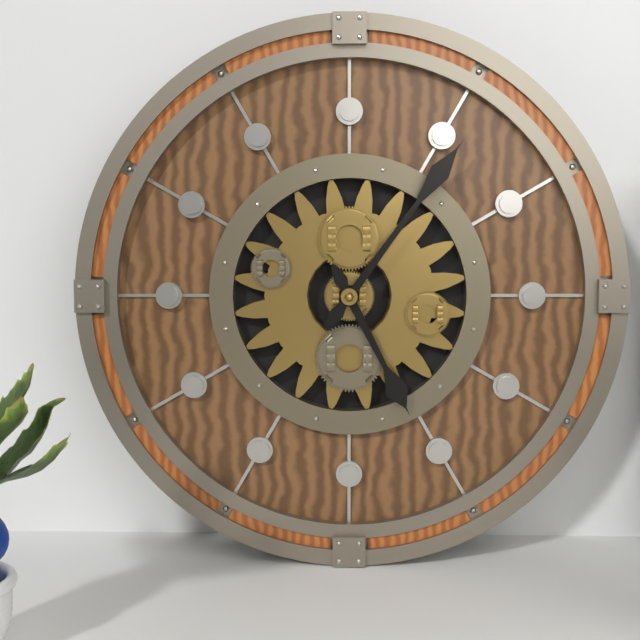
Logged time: 5 h 06 min
